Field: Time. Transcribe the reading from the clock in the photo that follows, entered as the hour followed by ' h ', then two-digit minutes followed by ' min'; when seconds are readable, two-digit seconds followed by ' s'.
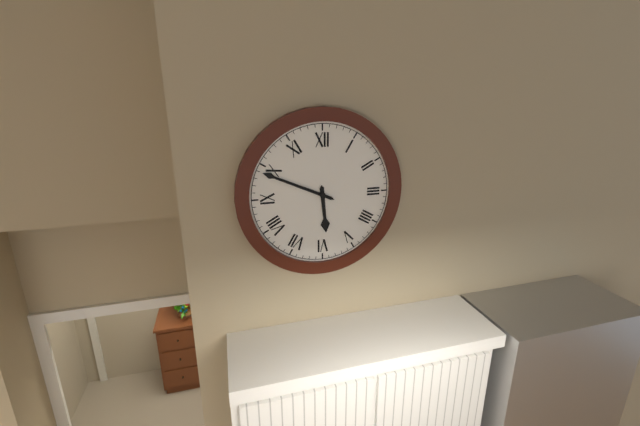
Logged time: 5 h 49 min
